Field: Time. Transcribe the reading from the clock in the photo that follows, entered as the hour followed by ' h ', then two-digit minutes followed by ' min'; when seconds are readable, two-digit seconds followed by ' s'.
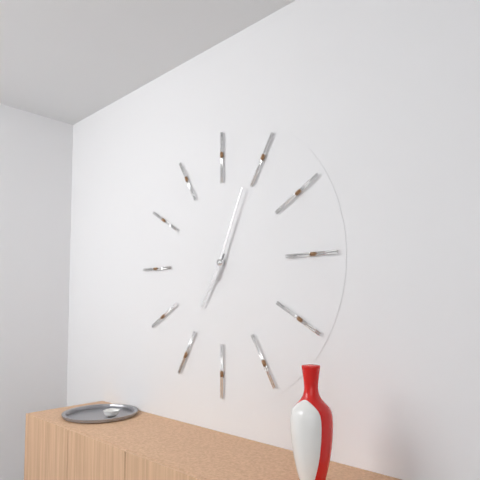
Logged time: 7 h 04 min
